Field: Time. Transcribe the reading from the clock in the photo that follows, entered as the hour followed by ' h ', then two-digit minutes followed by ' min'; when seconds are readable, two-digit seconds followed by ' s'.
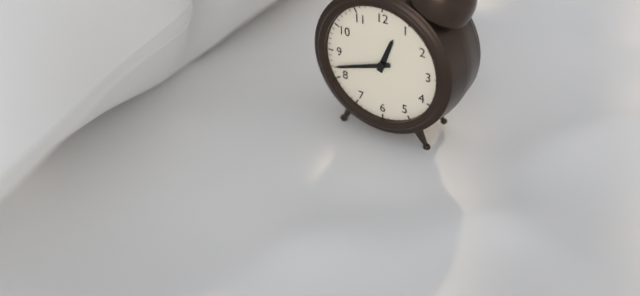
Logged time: 12 h 42 min
